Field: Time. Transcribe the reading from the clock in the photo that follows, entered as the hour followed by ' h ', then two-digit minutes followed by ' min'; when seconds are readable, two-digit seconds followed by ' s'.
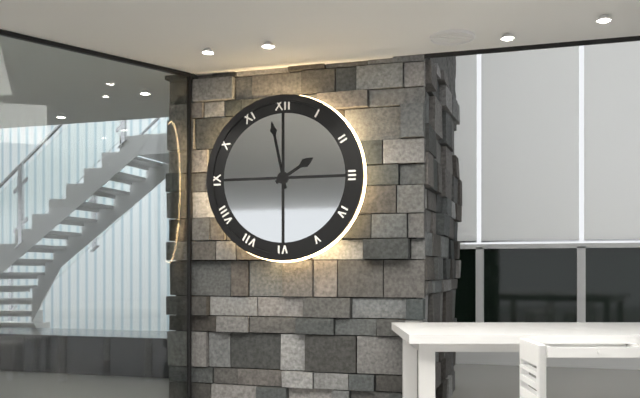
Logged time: 1 h 58 min
